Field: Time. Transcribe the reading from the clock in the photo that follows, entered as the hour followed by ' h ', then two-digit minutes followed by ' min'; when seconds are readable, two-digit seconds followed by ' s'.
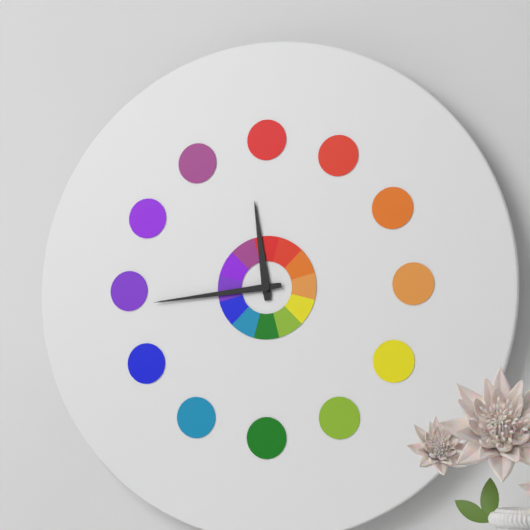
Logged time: 11 h 44 min
